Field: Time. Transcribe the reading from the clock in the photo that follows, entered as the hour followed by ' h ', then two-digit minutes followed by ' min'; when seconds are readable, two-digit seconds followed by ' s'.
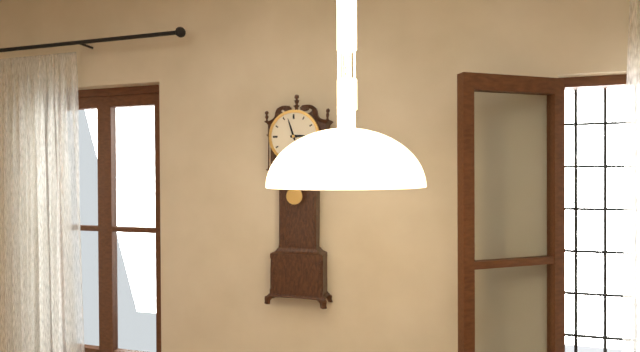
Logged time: 2 h 57 min
